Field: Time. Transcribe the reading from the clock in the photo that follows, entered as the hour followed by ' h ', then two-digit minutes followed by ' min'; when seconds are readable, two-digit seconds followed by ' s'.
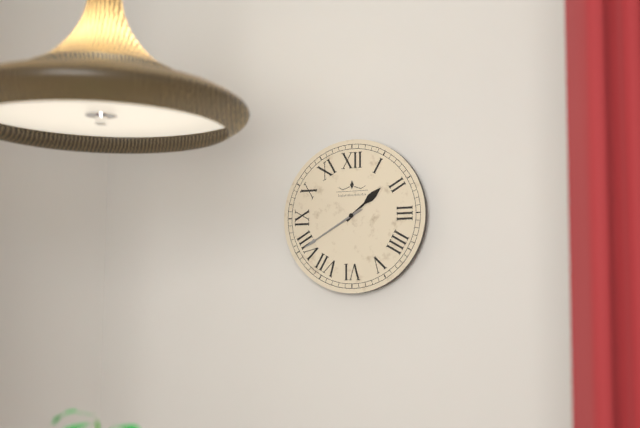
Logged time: 1 h 40 min
